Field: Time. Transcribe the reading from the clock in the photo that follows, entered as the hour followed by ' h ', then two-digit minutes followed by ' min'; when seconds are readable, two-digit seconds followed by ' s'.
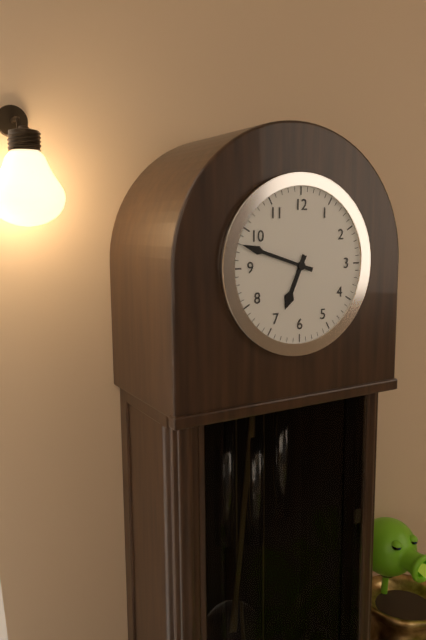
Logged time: 6 h 48 min
